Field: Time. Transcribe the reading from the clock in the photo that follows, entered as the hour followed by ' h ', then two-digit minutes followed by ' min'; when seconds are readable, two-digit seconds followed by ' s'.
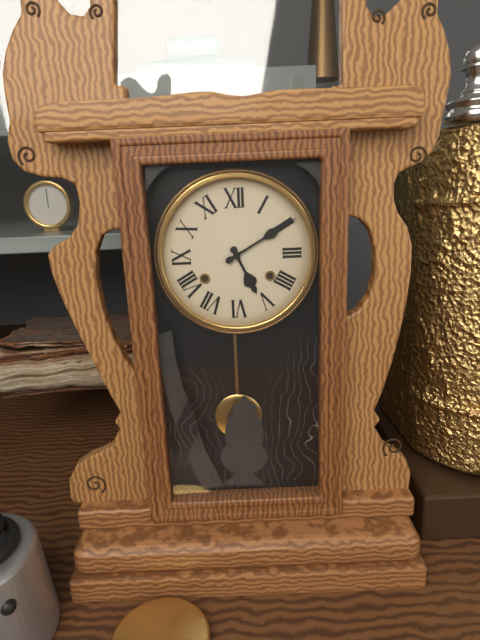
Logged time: 5 h 10 min
